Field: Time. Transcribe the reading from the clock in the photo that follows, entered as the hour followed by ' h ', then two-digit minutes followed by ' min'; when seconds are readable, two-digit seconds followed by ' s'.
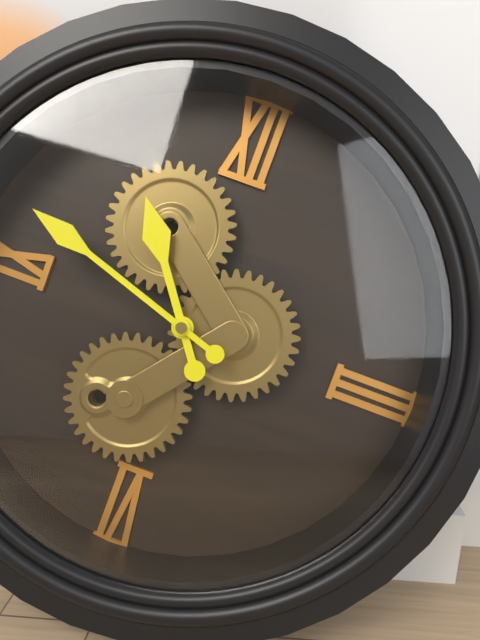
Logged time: 10 h 48 min
